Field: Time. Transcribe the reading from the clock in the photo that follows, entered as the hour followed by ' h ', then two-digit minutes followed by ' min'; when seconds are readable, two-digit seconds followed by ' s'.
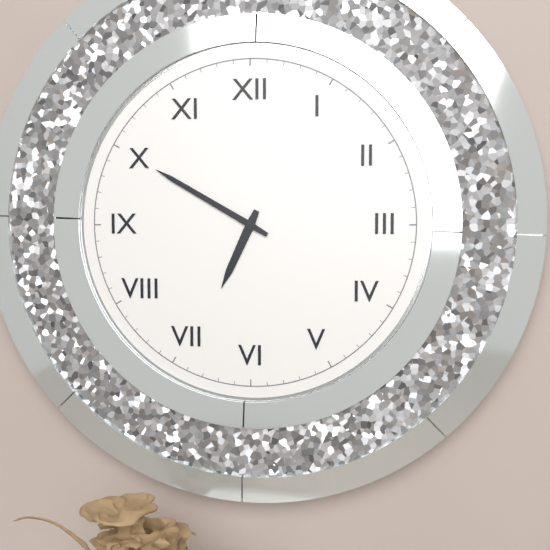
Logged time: 6 h 50 min
